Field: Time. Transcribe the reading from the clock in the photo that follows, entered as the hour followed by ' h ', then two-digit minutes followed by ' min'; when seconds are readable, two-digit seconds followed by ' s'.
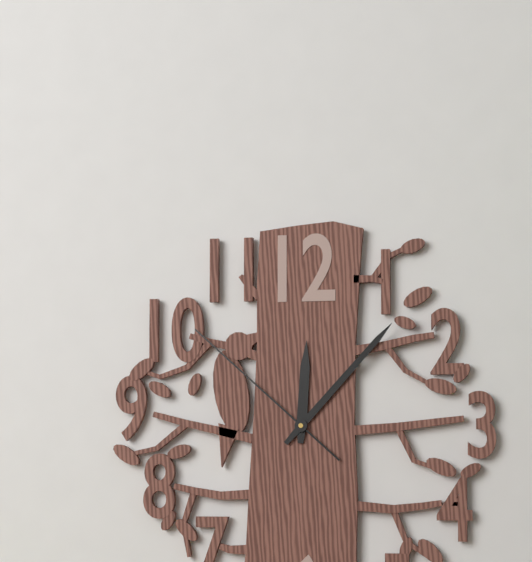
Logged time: 12 h 07 min 52 s
